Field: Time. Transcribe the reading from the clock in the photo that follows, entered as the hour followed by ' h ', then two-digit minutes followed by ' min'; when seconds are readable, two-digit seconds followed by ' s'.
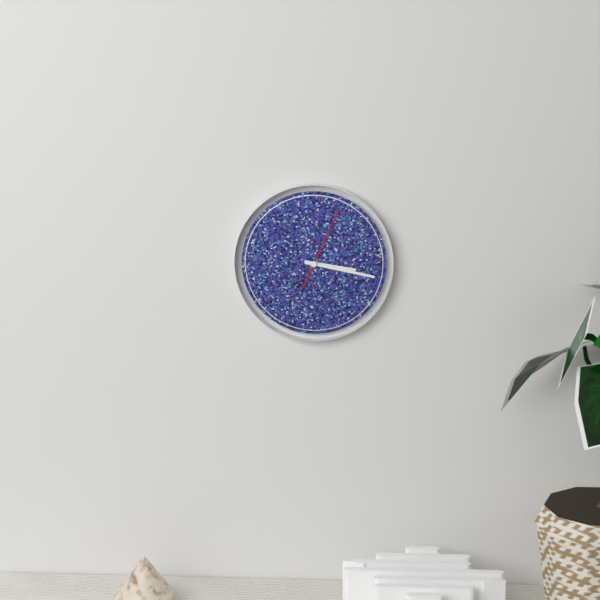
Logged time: 3 h 17 min 04 s
